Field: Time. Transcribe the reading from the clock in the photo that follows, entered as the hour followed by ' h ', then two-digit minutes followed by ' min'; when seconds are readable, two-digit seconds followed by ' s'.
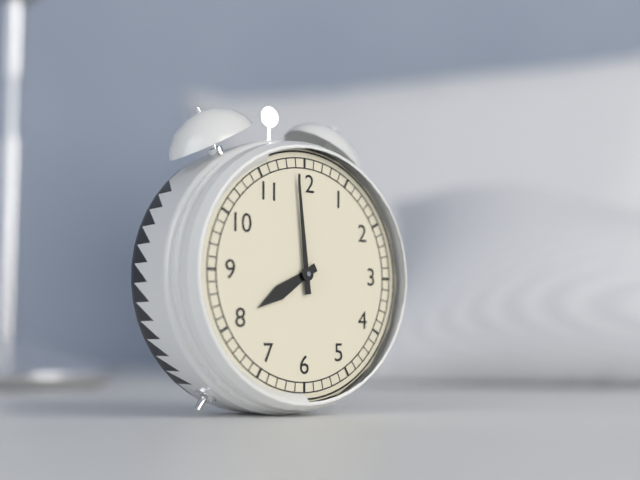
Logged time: 7 h 59 min
